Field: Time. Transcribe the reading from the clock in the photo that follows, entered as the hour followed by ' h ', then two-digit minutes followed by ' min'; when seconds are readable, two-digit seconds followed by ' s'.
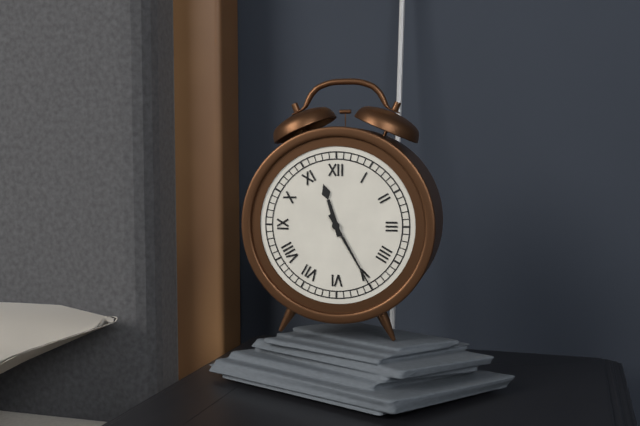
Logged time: 11 h 25 min
